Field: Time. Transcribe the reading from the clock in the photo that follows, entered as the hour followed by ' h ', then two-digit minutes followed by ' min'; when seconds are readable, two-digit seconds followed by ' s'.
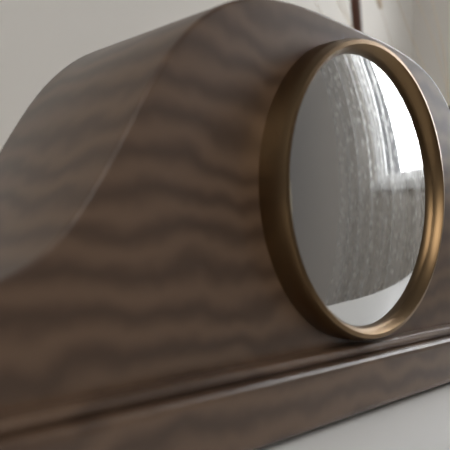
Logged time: 5 h 39 min
